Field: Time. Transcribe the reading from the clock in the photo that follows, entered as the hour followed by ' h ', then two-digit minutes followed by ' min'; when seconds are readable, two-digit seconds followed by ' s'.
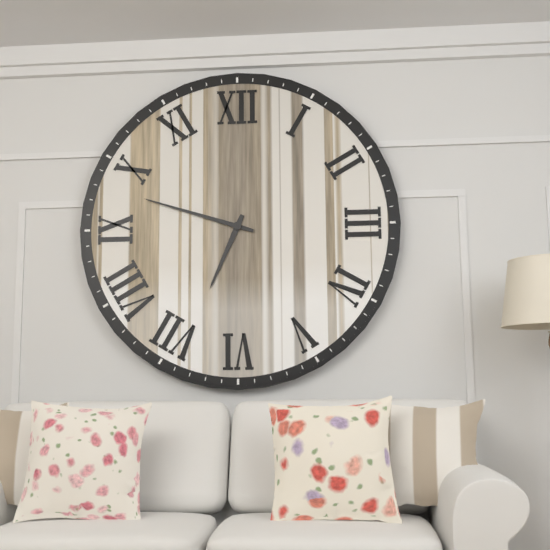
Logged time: 6 h 48 min
